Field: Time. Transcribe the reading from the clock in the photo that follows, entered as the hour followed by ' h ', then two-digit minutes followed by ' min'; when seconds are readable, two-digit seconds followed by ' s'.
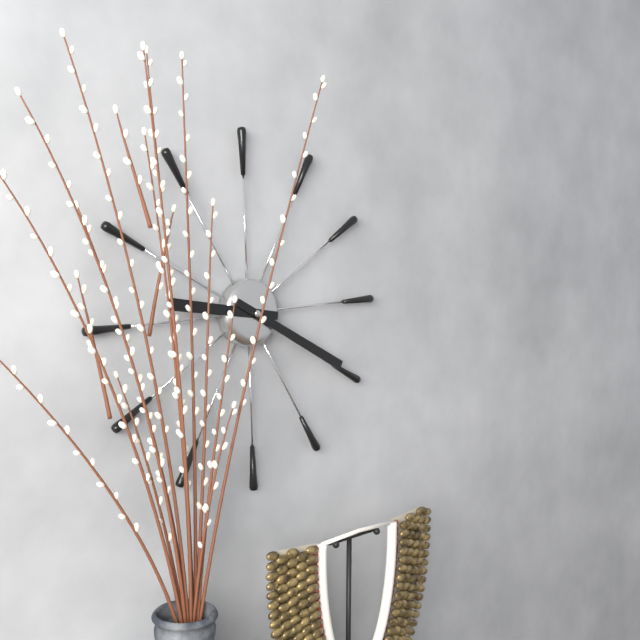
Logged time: 9 h 20 min
